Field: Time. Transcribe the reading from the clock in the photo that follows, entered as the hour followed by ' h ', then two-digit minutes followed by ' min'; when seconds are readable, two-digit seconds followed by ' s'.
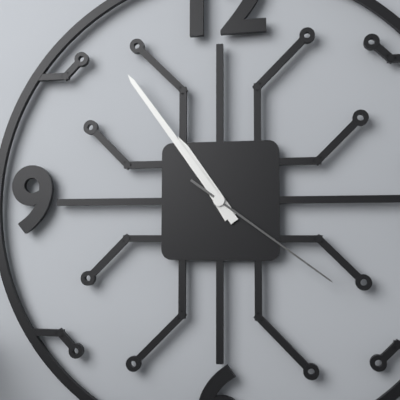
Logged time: 10 h 54 min 21 s
